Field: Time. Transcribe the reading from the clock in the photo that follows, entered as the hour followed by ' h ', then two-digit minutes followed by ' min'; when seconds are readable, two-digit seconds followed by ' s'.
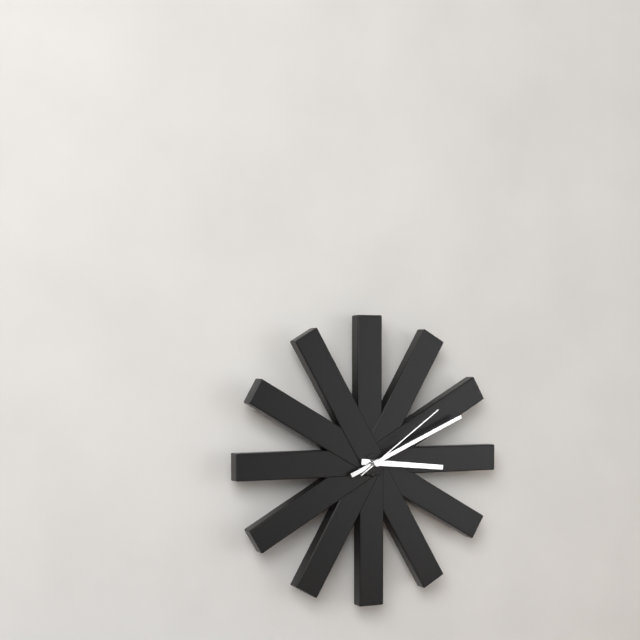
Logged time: 3 h 11 min 09 s
